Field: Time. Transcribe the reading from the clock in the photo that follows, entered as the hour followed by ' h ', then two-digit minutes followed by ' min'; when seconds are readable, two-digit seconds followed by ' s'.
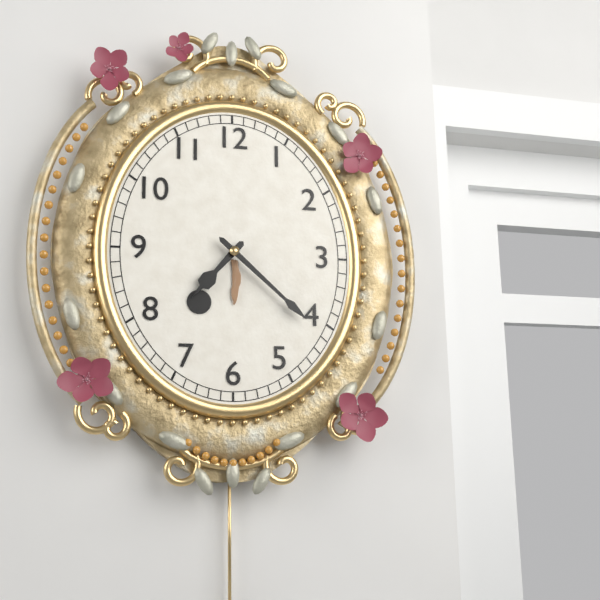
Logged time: 7 h 22 min
